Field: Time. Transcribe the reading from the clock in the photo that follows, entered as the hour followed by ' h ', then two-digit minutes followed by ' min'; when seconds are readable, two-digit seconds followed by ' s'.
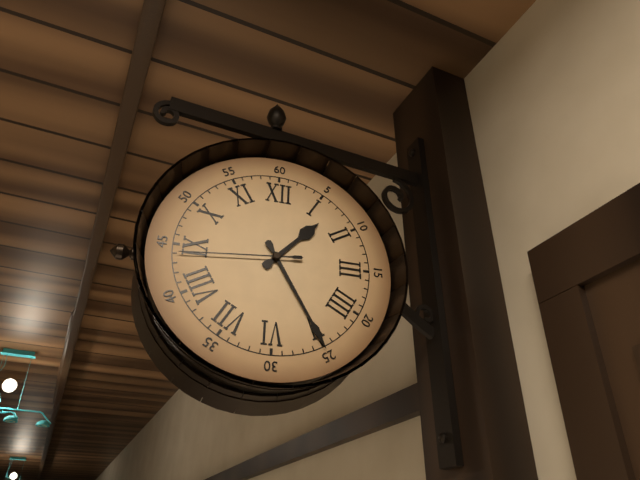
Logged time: 1 h 25 min 44 s
